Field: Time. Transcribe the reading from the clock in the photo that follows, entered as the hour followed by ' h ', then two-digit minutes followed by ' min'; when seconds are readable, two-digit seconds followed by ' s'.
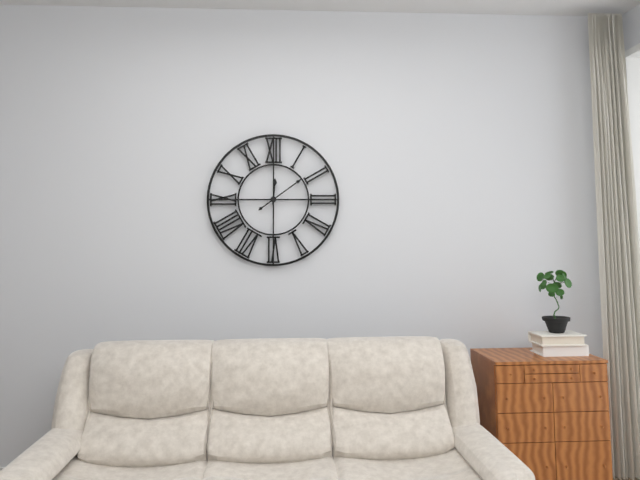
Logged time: 12 h 09 min
